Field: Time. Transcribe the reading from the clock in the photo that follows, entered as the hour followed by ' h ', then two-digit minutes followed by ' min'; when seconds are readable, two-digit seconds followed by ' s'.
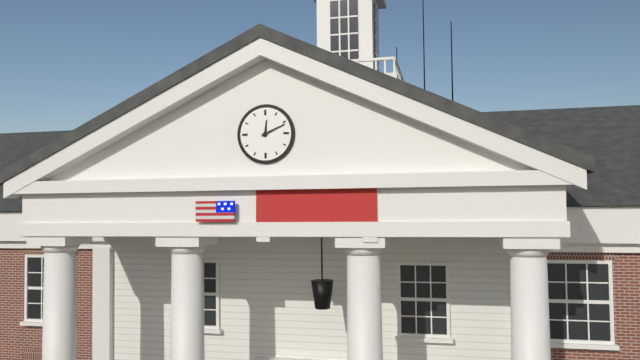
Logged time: 12 h 11 min
